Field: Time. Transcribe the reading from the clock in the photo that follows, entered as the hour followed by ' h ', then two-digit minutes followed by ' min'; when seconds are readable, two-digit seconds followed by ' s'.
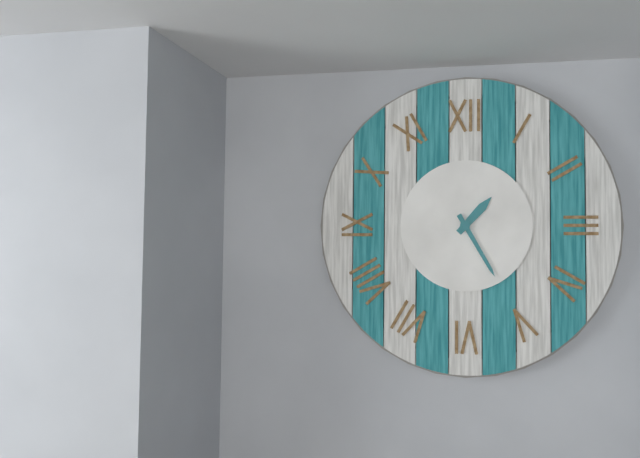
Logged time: 1 h 25 min
